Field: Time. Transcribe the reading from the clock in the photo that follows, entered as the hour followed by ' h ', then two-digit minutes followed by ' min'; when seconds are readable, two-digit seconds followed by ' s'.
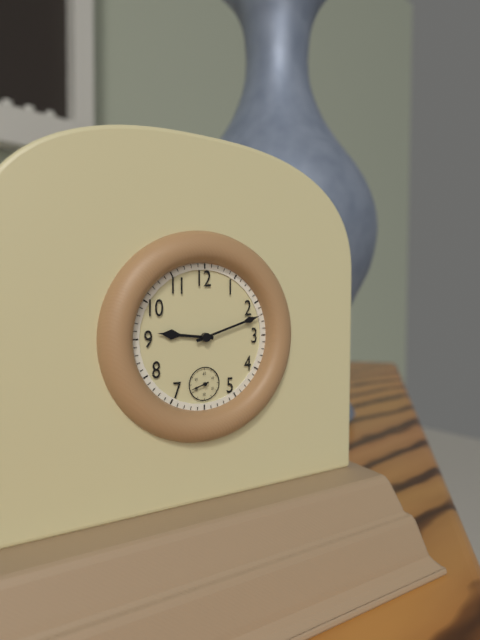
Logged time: 9 h 12 min
